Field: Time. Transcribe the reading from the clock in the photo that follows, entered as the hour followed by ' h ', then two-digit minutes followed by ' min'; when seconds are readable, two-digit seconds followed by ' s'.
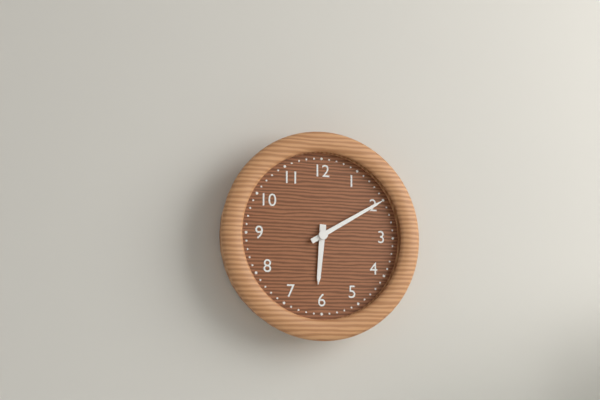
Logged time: 6 h 10 min
